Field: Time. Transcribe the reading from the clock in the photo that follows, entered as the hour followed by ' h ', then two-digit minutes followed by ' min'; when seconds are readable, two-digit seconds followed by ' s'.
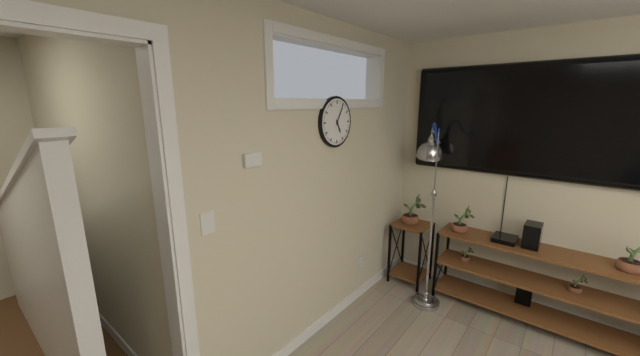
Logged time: 5 h 05 min
